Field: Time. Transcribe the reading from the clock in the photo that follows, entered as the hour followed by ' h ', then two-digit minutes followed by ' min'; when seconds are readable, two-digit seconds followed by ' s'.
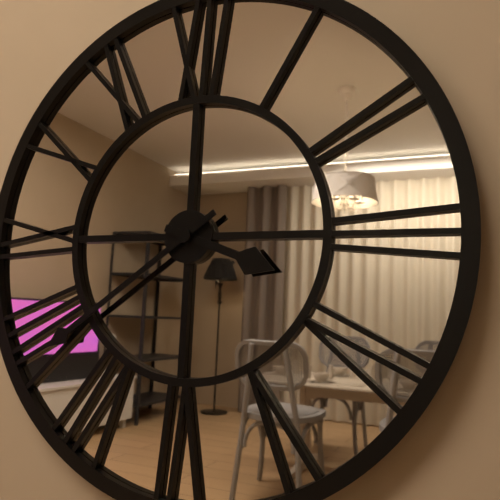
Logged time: 3 h 39 min
